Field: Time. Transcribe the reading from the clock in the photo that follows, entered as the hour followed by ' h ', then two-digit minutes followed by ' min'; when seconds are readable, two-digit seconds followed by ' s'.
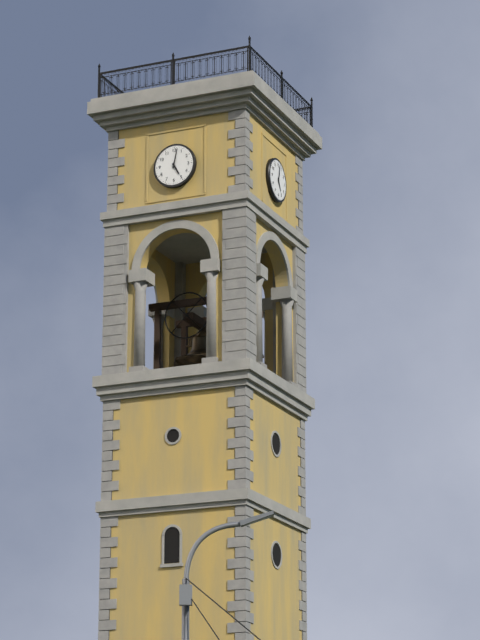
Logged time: 5 h 02 min
